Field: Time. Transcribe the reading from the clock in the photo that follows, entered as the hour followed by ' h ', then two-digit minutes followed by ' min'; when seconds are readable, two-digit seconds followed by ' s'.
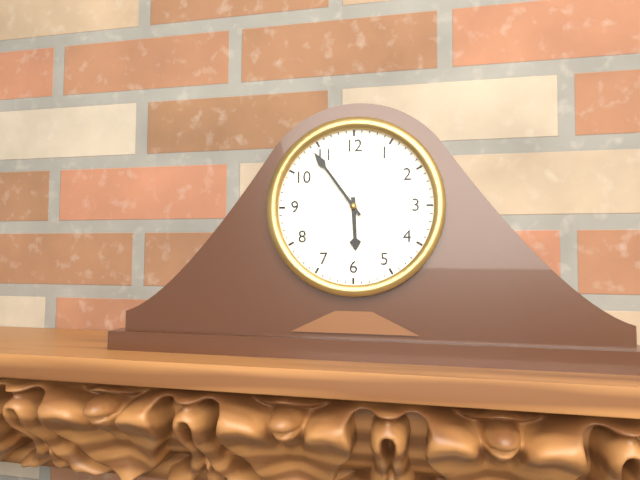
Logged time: 5 h 54 min
